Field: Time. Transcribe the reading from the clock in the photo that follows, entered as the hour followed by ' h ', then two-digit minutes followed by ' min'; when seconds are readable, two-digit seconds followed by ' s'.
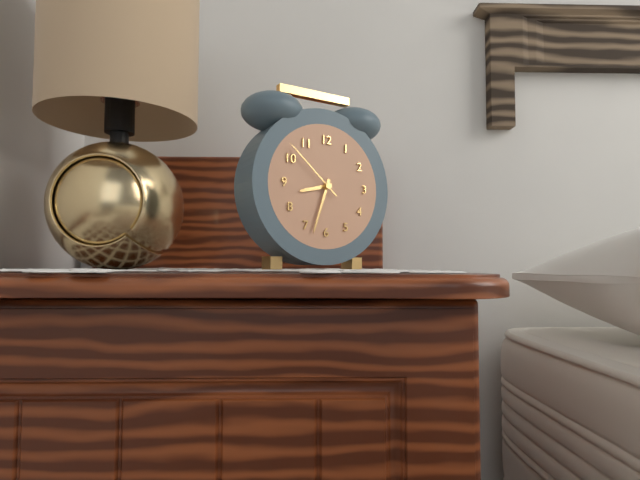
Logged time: 8 h 33 min 52 s
